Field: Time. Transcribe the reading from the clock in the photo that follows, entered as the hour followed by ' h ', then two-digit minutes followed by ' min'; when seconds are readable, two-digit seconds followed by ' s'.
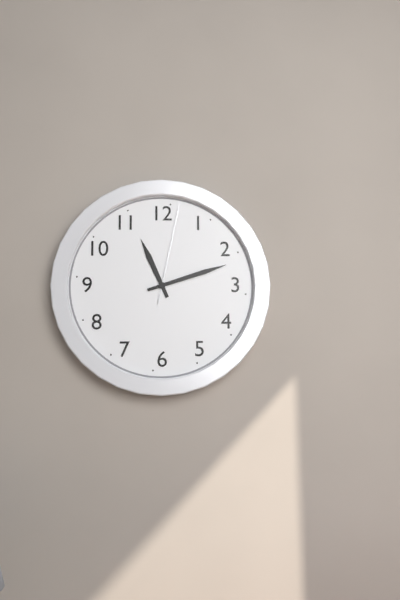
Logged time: 11 h 12 min 02 s
